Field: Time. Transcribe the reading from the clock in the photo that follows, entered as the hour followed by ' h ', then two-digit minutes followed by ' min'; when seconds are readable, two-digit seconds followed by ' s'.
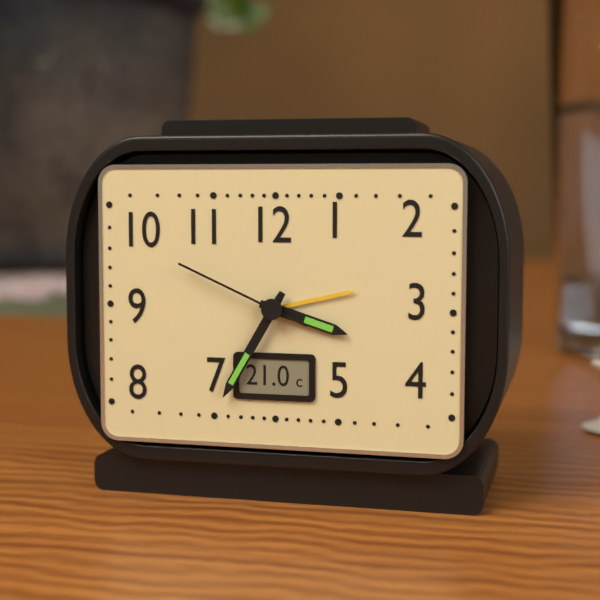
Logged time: 3 h 35 min 49 s
